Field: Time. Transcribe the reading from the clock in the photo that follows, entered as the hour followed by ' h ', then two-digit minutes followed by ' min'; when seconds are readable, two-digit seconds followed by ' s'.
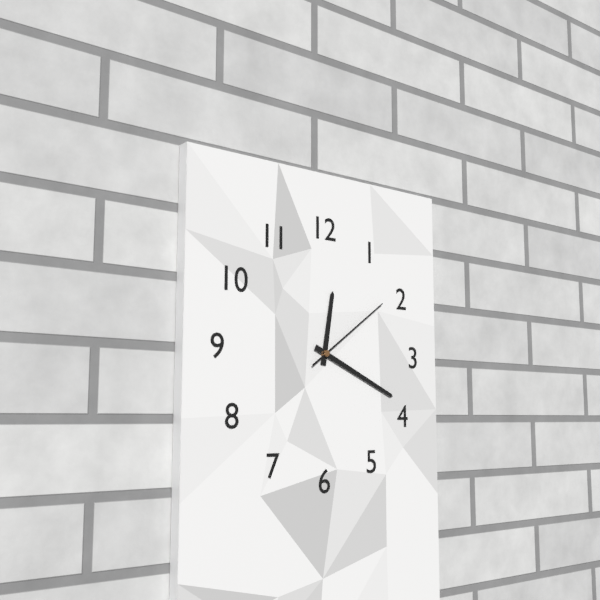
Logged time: 12 h 19 min 09 s
